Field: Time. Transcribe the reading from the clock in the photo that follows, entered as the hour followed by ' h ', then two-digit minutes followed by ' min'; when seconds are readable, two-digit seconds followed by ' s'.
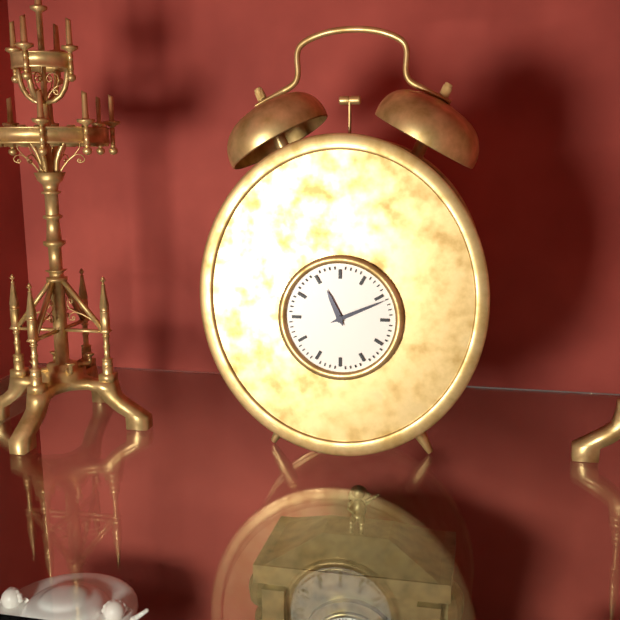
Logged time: 11 h 11 min
